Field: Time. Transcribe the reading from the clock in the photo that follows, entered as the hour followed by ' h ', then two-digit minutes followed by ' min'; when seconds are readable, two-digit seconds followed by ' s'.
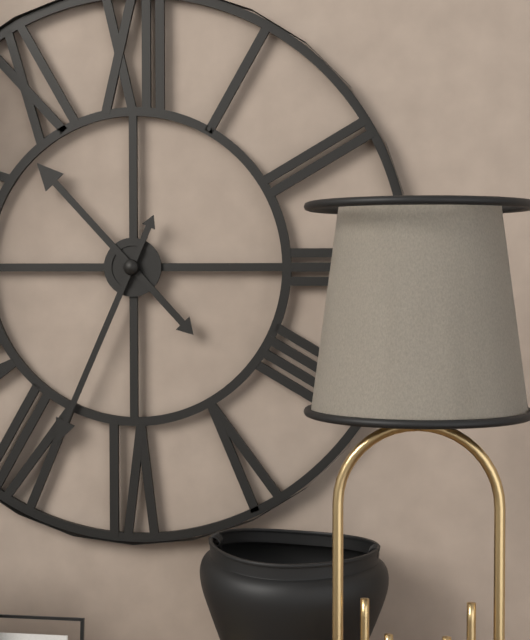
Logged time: 10 h 34 min
